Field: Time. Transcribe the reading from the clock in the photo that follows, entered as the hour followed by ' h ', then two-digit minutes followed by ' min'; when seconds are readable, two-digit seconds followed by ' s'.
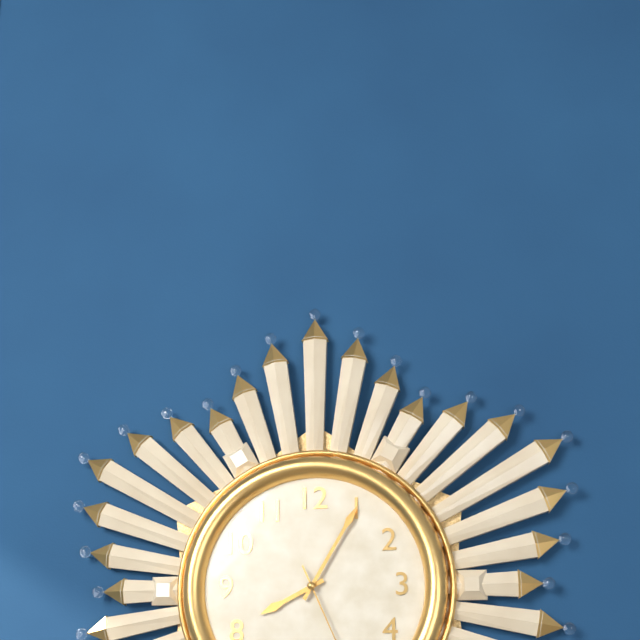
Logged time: 8 h 05 min
